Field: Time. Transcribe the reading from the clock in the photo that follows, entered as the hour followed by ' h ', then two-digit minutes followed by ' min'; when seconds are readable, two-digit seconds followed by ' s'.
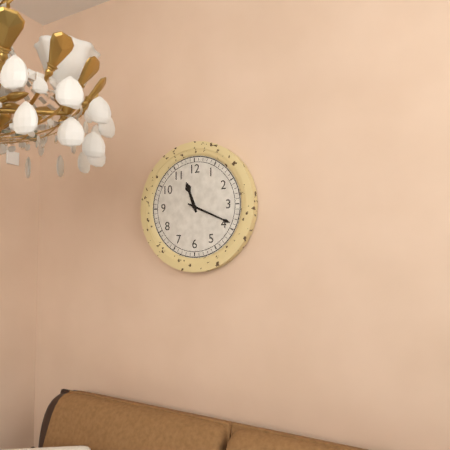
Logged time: 11 h 19 min
